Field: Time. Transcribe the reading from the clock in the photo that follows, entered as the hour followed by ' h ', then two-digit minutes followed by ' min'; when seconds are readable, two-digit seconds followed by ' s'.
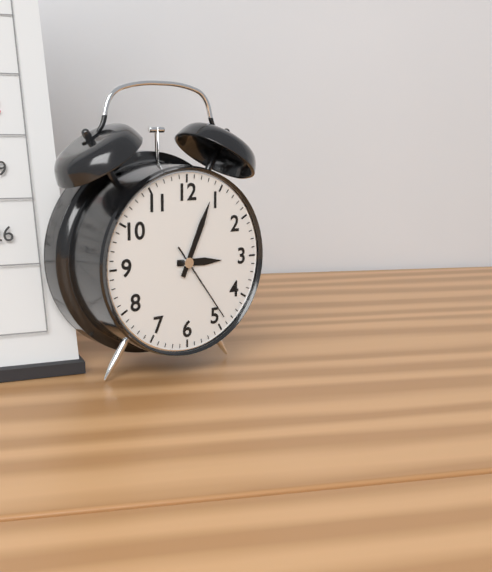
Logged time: 3 h 04 min 24 s
